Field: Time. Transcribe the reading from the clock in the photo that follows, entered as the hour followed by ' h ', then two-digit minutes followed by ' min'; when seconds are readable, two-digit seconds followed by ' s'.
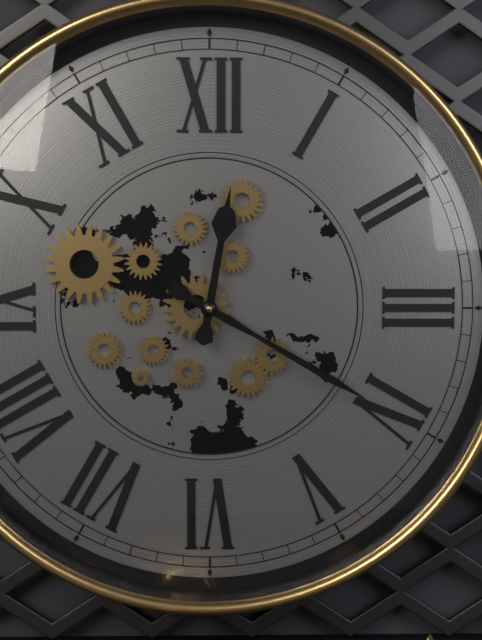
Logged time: 12 h 20 min
